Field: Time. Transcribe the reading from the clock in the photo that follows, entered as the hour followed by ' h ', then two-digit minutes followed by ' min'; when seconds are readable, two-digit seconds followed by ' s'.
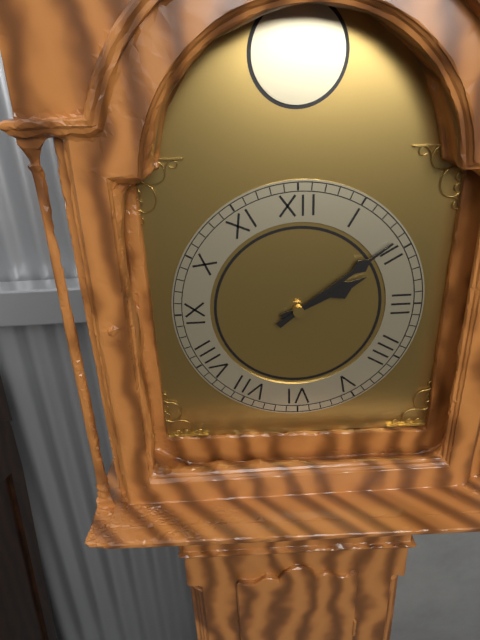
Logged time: 2 h 09 min
